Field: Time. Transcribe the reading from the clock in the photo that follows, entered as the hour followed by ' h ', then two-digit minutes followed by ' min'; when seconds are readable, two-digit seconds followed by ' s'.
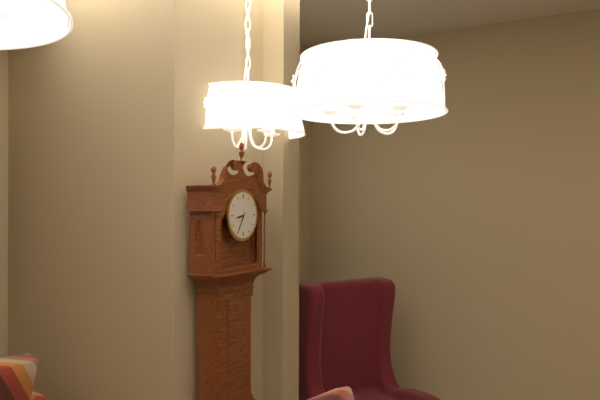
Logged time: 8 h 35 min
